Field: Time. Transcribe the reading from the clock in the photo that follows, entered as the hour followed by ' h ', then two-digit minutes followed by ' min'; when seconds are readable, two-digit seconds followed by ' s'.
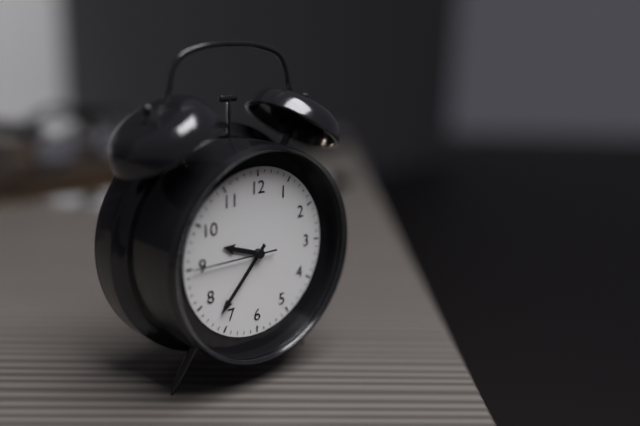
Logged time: 9 h 37 min 45 s
